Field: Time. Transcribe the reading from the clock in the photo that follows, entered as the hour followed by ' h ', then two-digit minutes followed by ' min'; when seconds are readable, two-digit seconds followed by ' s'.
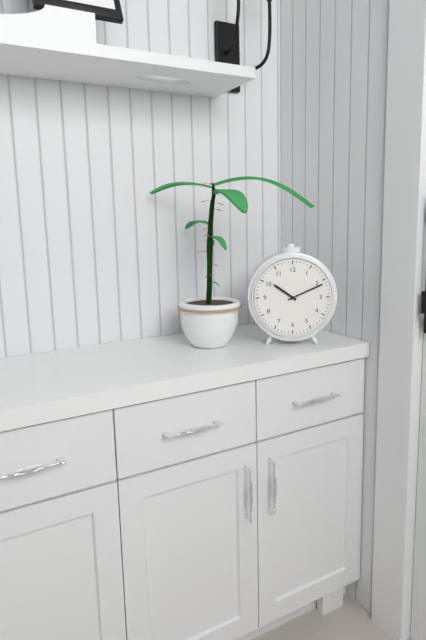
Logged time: 10 h 11 min
